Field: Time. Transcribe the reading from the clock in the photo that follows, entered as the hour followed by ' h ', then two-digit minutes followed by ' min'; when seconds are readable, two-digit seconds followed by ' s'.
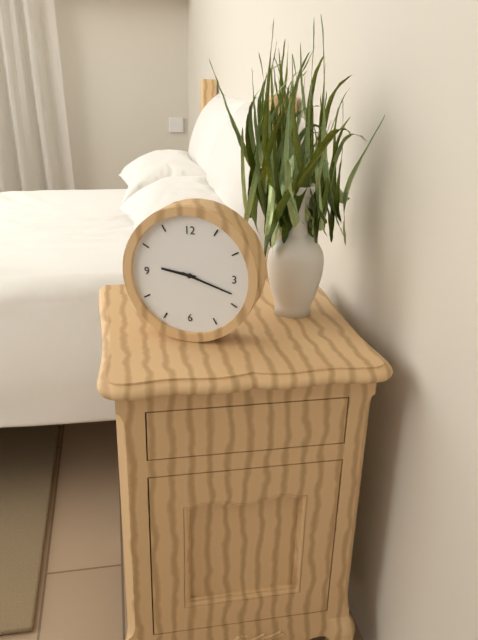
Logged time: 9 h 18 min
